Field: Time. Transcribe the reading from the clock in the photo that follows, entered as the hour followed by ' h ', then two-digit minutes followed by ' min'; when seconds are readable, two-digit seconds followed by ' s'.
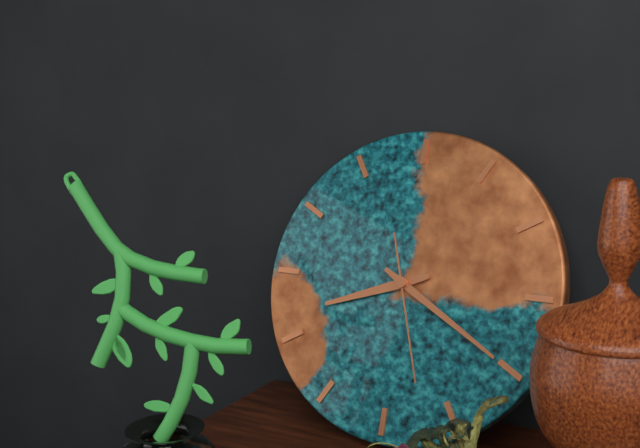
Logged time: 8 h 20 min 27 s
